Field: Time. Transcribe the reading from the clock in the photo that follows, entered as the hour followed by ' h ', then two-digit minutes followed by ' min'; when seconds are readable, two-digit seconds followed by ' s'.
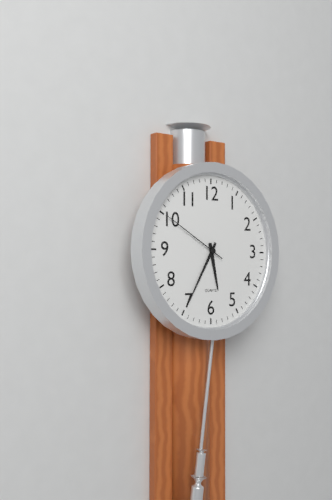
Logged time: 5 h 35 min 50 s
